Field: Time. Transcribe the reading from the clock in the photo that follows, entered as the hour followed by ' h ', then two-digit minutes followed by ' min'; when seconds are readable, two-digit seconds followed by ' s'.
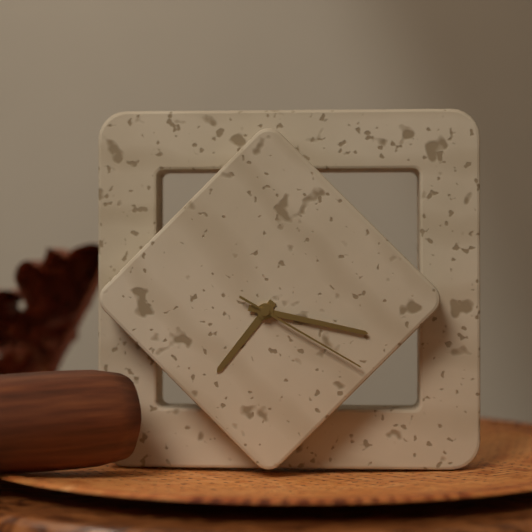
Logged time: 7 h 17 min 20 s
